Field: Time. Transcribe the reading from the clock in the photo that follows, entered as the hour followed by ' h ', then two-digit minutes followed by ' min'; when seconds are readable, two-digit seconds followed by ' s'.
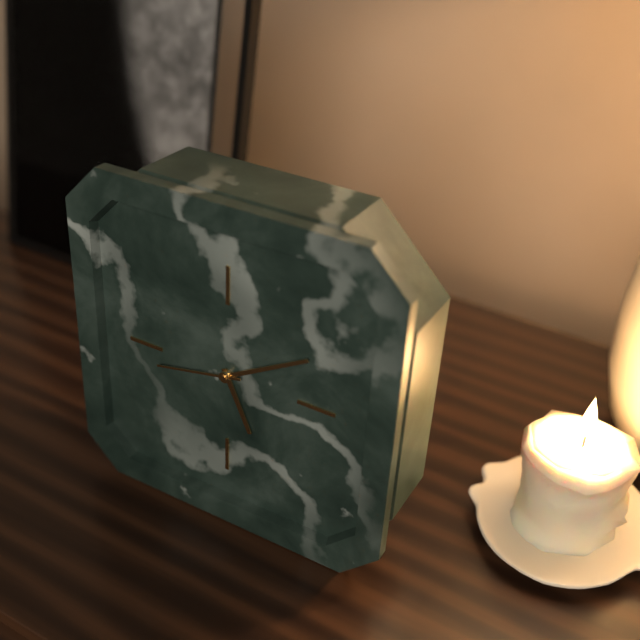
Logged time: 5 h 10 min 43 s
